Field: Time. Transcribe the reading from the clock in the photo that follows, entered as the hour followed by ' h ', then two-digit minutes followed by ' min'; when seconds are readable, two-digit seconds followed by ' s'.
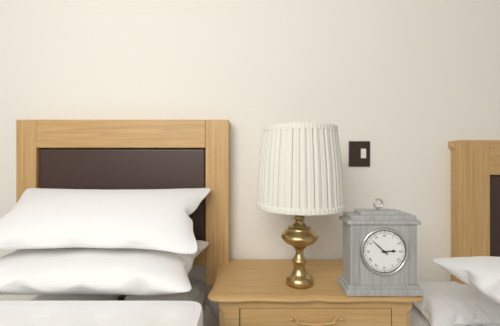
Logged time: 2 h 52 min
